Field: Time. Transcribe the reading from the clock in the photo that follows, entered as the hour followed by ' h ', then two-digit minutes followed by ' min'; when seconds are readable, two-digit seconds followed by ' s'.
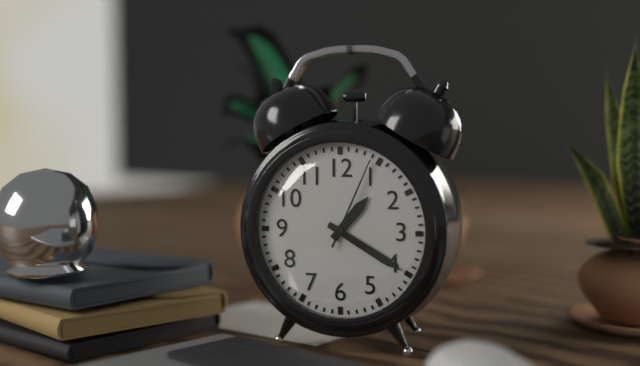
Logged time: 1 h 20 min 04 s
